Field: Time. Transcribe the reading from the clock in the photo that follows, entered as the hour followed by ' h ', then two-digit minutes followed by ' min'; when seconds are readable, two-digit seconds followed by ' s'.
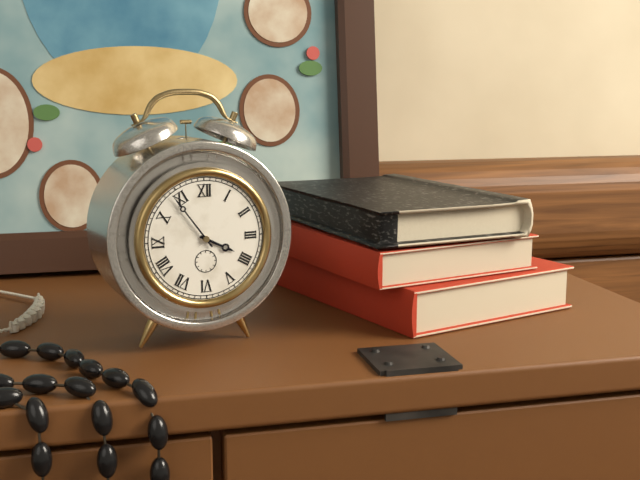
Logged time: 3 h 54 min
